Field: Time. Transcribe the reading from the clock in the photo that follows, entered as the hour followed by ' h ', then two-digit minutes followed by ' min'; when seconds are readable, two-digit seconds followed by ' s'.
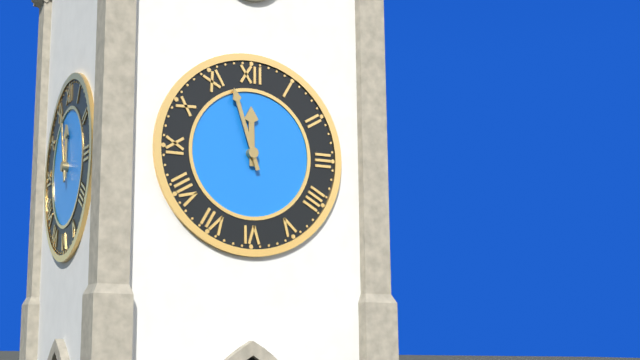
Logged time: 11 h 57 min
